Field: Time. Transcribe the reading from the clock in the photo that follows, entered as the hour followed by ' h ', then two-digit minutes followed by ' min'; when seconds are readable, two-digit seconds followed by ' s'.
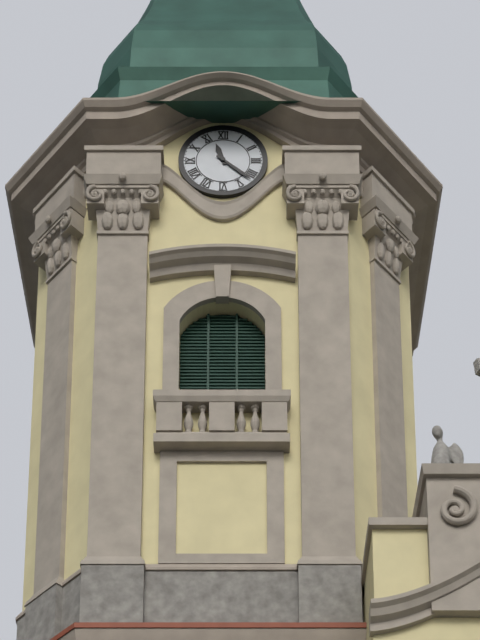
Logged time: 11 h 22 min
